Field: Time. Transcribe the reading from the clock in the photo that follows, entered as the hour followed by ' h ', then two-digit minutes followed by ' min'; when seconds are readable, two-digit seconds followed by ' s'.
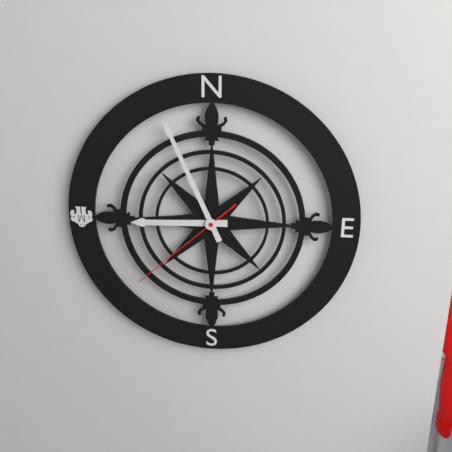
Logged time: 8 h 56 min 38 s
